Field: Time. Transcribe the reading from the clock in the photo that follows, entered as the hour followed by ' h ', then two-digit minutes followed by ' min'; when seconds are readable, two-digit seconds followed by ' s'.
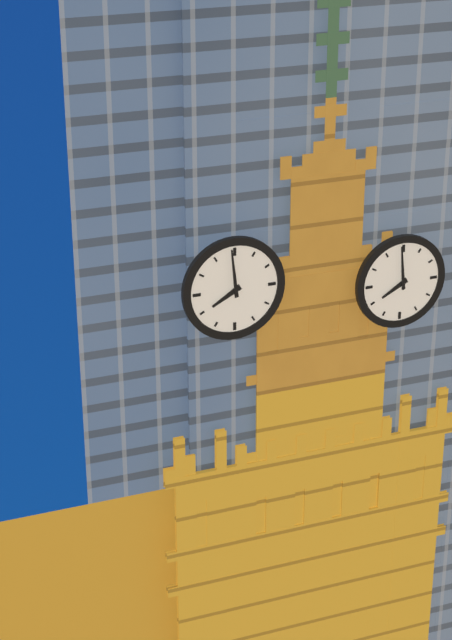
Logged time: 7 h 59 min
